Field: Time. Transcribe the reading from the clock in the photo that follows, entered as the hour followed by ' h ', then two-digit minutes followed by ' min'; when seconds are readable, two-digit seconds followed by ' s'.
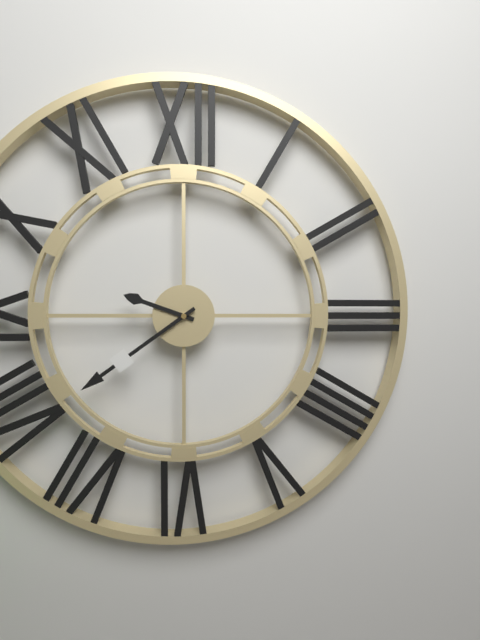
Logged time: 9 h 39 min
